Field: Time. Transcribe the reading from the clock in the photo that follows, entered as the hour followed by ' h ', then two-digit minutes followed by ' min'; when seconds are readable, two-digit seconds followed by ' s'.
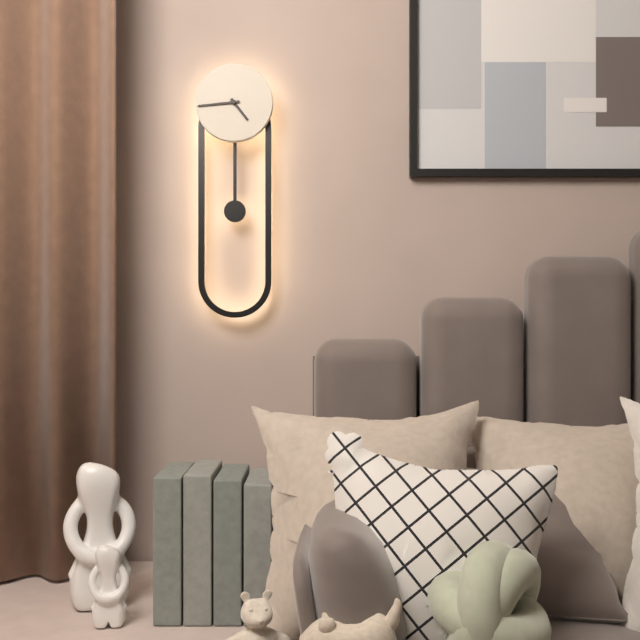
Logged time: 4 h 44 min
